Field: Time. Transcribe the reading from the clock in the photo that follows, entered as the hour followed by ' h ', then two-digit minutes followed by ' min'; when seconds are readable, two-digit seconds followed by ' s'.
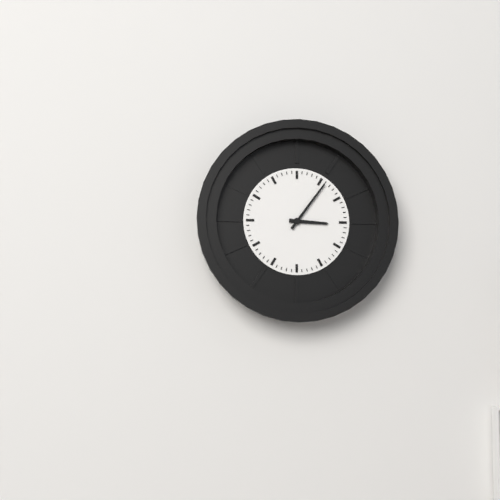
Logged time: 3 h 06 min
